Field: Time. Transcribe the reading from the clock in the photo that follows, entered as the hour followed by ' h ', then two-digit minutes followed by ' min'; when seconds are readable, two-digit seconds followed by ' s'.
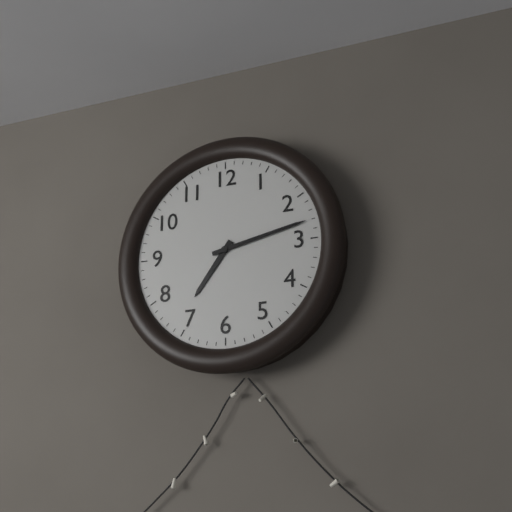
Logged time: 7 h 13 min
